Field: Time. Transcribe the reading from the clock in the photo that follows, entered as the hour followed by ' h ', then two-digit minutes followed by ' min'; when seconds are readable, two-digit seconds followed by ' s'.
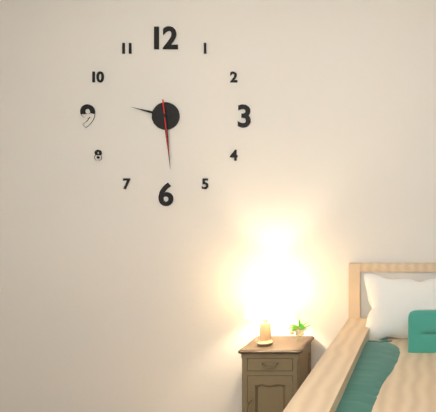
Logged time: 9 h 29 min
